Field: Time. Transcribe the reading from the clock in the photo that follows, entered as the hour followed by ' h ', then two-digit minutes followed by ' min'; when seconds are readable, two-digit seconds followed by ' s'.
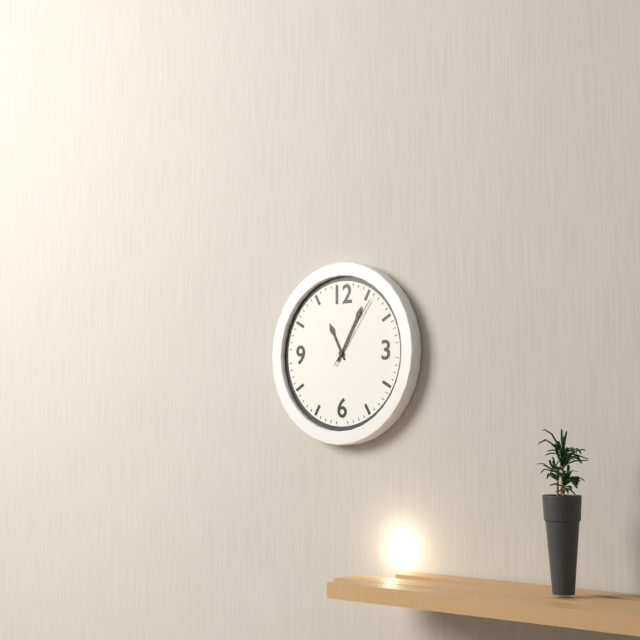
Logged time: 11 h 05 min 06 s
